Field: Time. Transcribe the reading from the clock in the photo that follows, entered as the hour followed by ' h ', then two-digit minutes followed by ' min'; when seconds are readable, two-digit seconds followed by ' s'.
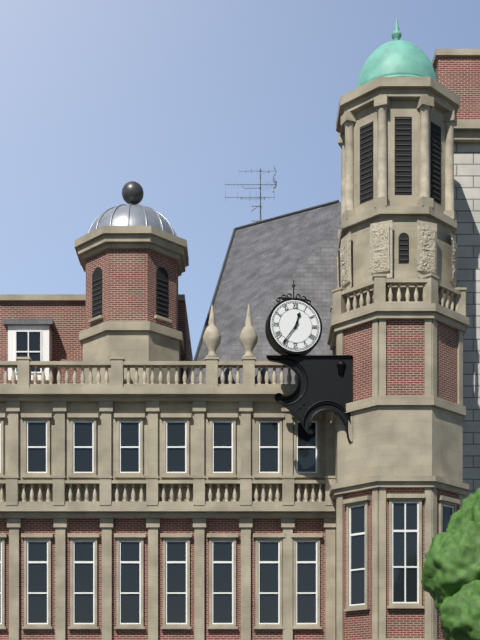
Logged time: 12 h 36 min
